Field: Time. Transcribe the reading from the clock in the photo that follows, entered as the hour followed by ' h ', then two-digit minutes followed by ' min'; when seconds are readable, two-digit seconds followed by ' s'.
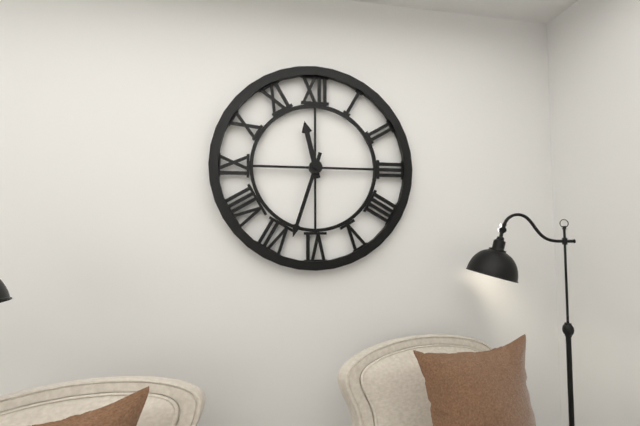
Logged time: 11 h 33 min
